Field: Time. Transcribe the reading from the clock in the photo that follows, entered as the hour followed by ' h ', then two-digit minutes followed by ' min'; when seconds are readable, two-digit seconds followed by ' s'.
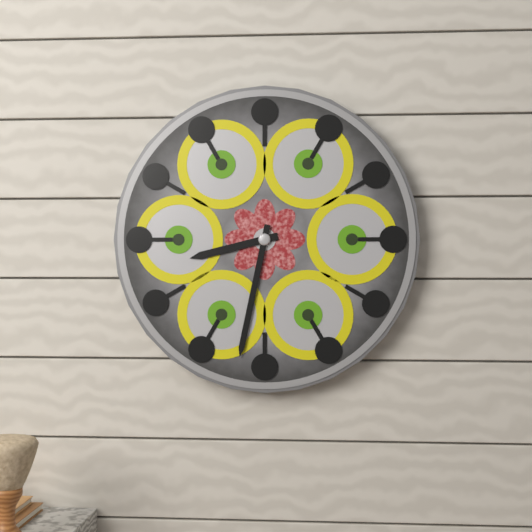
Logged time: 8 h 32 min
